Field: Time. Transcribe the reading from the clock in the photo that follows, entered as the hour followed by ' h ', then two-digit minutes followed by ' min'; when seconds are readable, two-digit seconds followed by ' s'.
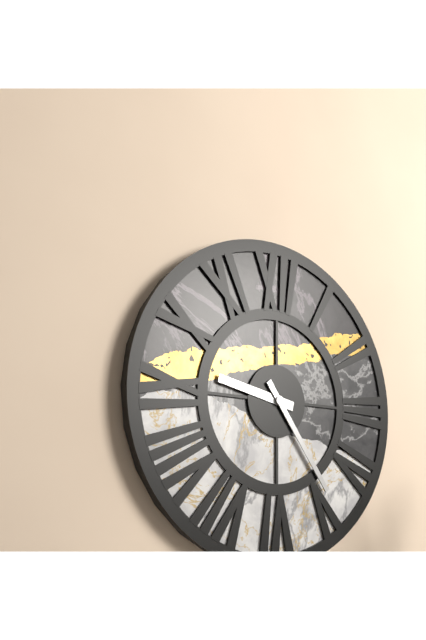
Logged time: 9 h 24 min
